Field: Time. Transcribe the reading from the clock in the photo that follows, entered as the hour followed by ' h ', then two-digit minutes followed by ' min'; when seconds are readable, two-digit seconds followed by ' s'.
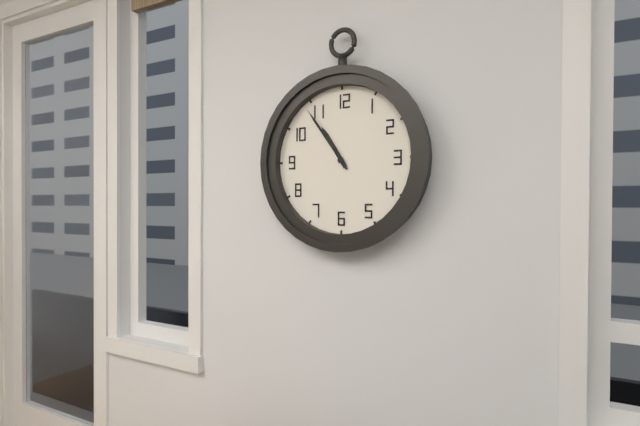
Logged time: 10 h 54 min
